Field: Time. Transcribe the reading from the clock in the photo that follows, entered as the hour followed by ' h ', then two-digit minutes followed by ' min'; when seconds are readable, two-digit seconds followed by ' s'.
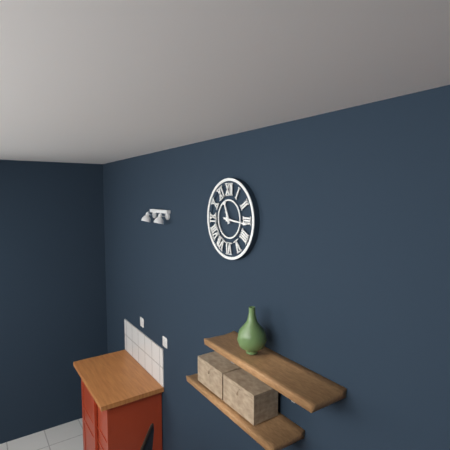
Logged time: 11 h 16 min
